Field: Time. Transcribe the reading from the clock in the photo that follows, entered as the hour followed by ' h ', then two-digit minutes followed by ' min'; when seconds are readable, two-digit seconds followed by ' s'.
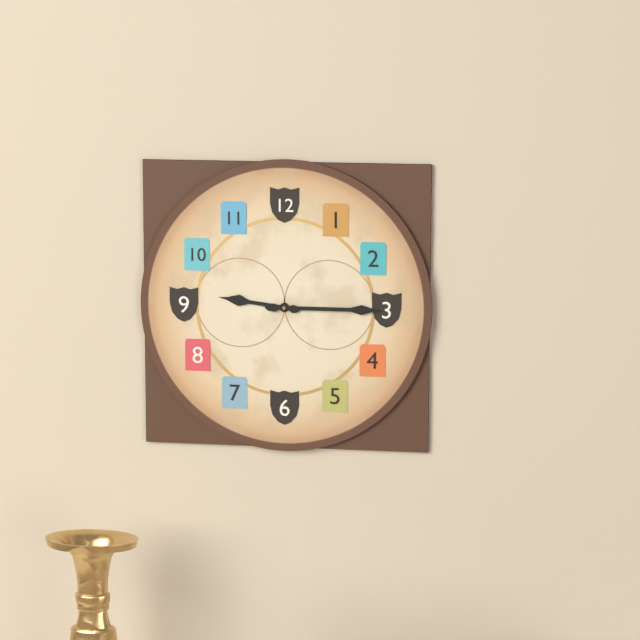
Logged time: 9 h 15 min
